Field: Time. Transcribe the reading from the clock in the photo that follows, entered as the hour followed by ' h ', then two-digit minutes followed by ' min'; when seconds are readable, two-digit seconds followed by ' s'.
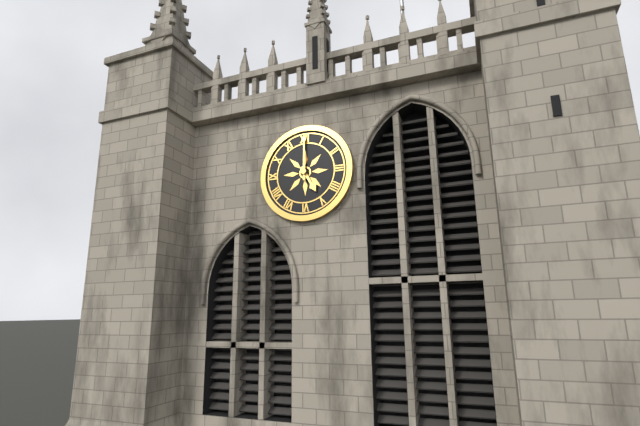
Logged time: 5 h 00 min
